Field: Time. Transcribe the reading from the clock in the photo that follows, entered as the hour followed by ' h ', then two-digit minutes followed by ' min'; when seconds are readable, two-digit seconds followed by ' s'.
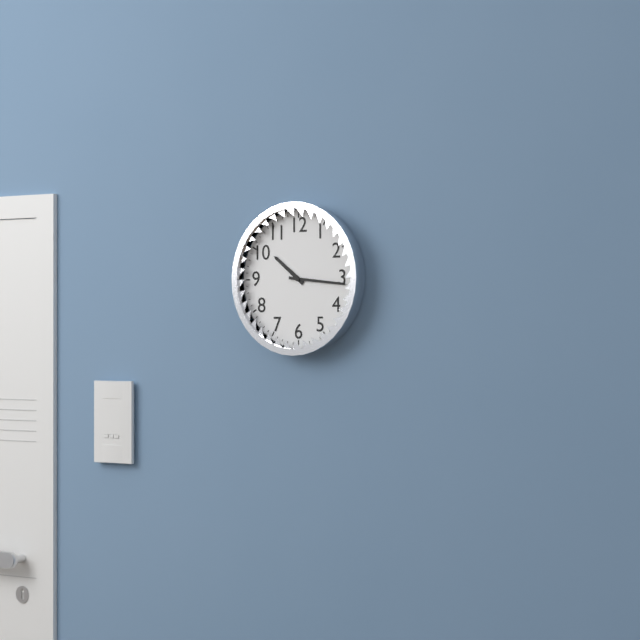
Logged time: 10 h 16 min
